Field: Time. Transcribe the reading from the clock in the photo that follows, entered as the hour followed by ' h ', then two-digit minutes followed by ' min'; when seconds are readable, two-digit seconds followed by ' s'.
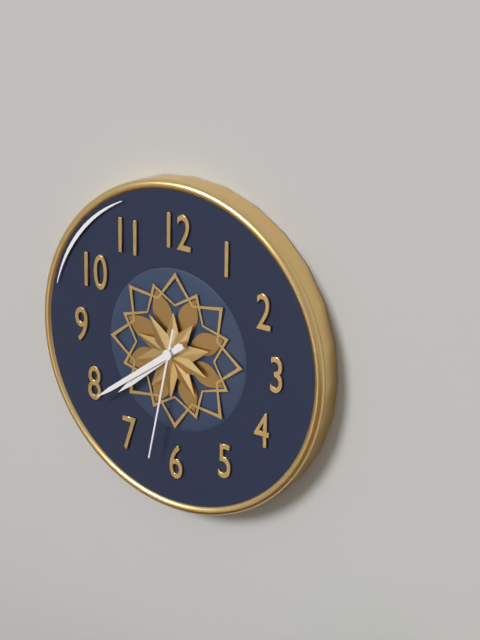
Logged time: 7 h 39 min 32 s
